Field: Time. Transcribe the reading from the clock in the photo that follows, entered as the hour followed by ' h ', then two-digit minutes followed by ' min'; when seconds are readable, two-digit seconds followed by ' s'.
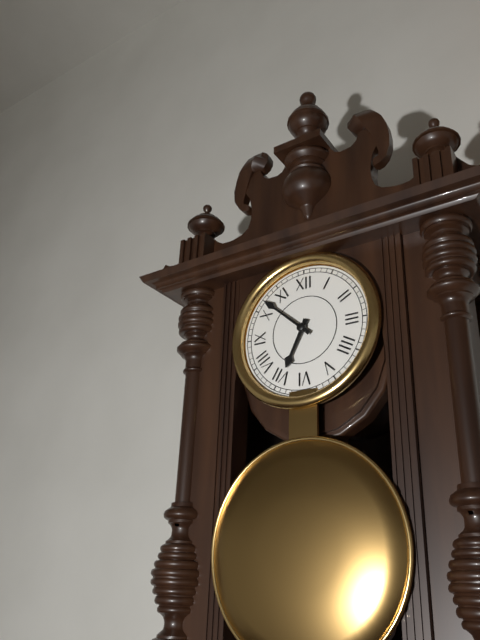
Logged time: 6 h 52 min
